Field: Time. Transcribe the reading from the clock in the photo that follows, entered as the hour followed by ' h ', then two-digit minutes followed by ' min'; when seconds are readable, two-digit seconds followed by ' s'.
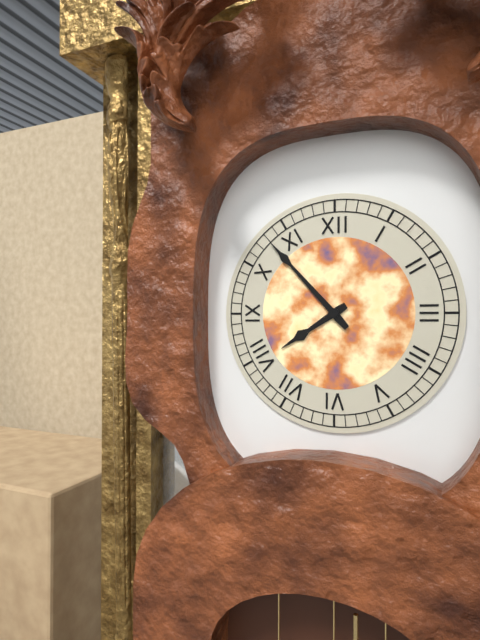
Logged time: 7 h 53 min
